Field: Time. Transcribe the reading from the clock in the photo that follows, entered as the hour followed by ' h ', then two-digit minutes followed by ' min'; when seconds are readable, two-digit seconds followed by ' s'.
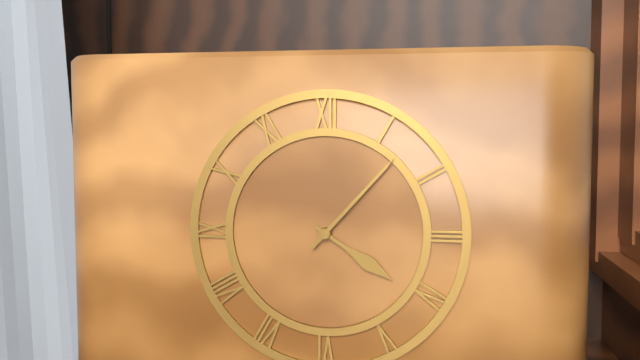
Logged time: 4 h 07 min
